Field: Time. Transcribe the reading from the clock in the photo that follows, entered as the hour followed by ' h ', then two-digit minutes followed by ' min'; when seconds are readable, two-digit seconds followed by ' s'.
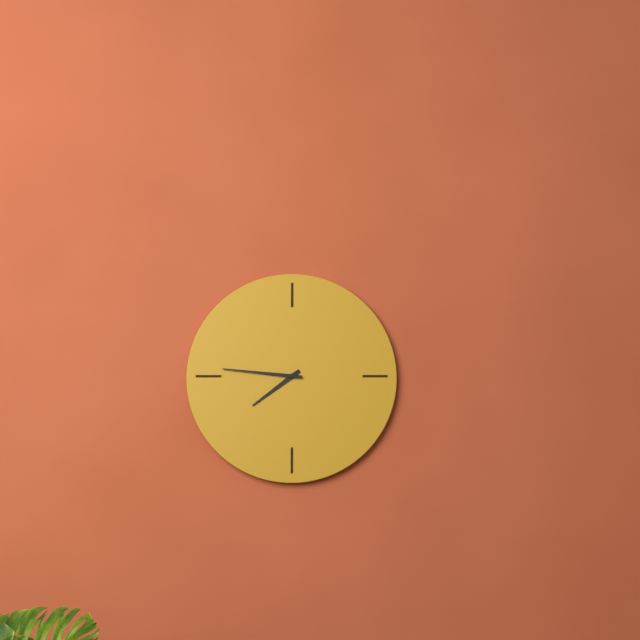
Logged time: 7 h 46 min
